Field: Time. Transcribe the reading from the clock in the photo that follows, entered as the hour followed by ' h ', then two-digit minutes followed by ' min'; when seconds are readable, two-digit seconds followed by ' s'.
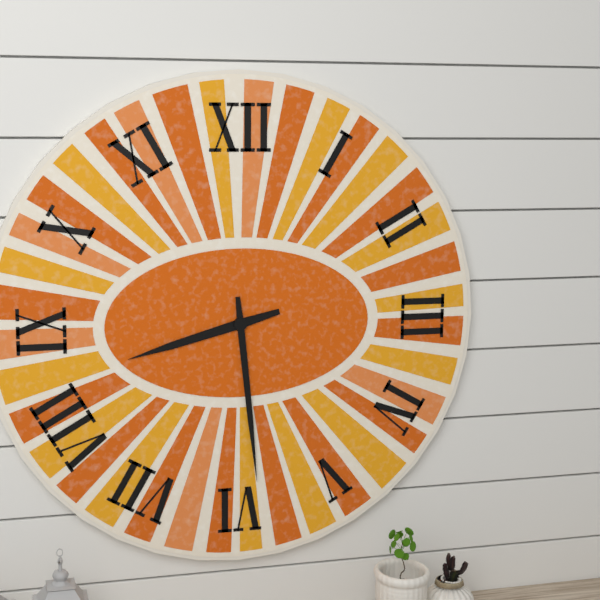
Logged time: 8 h 29 min
